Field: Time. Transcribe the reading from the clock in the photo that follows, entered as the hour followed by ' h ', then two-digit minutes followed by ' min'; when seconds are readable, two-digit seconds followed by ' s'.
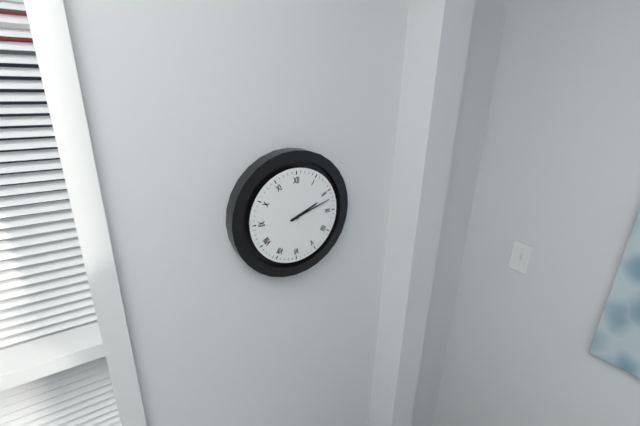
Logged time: 2 h 12 min
